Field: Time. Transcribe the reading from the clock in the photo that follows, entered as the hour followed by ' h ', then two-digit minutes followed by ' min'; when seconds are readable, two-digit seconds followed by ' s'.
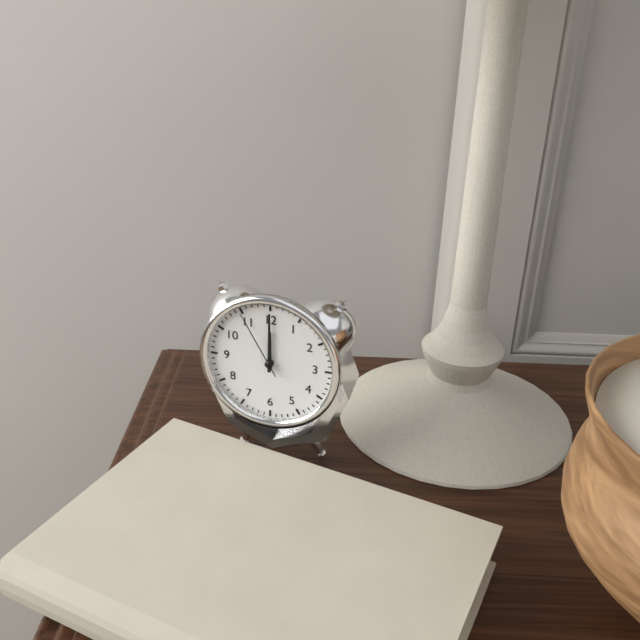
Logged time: 12 h 00 min 55 s
